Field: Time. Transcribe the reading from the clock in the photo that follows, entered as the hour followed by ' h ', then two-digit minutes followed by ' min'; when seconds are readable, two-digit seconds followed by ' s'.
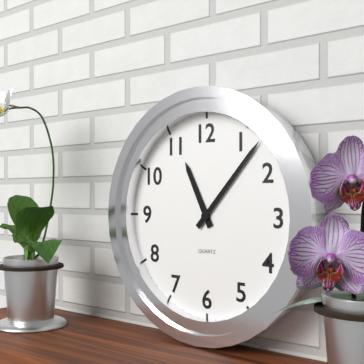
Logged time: 11 h 07 min
